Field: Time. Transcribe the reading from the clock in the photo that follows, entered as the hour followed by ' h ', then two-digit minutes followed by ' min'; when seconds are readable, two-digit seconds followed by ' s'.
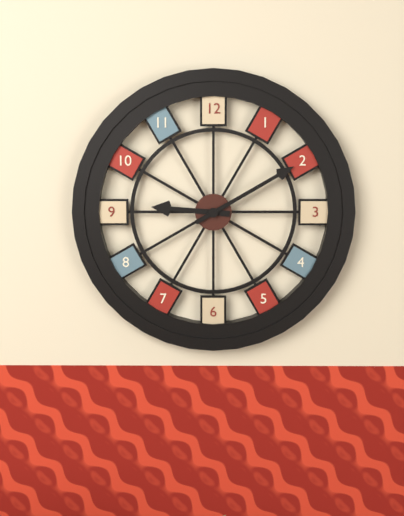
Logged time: 9 h 10 min
